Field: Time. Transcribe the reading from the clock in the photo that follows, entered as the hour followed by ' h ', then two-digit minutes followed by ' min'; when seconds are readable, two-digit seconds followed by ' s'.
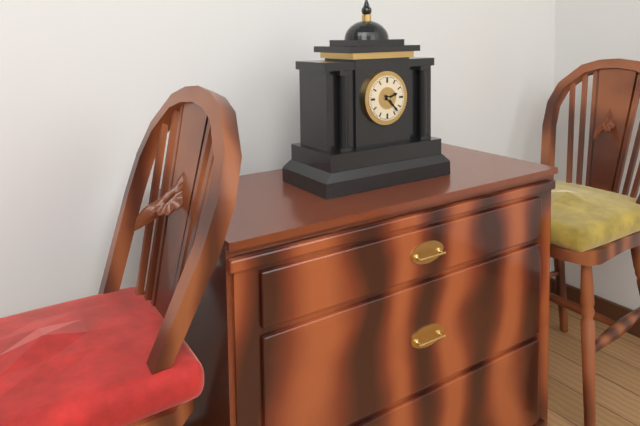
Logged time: 2 h 23 min
